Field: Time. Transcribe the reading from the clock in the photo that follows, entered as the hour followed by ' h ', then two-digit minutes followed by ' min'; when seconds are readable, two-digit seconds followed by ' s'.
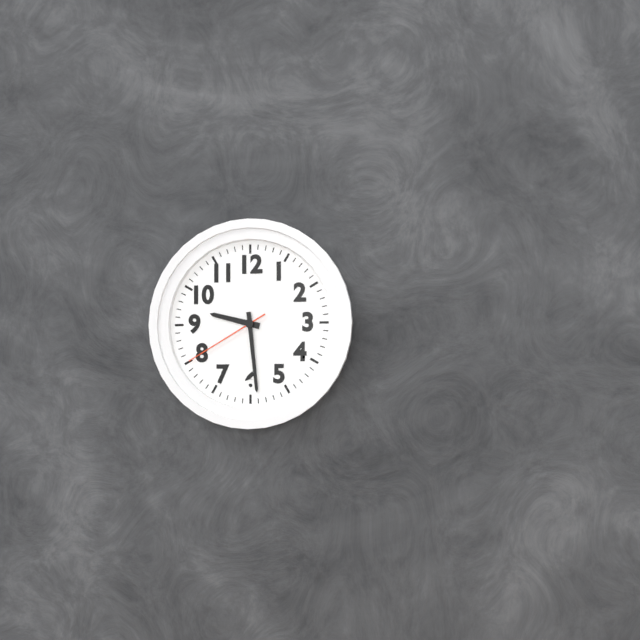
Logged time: 9 h 29 min 40 s
